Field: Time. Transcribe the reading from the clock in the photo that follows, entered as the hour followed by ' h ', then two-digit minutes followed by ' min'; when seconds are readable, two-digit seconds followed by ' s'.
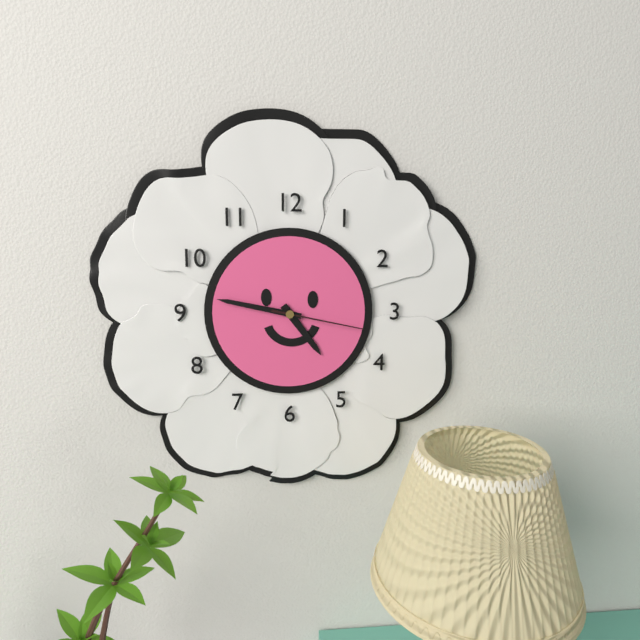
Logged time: 4 h 47 min 17 s
